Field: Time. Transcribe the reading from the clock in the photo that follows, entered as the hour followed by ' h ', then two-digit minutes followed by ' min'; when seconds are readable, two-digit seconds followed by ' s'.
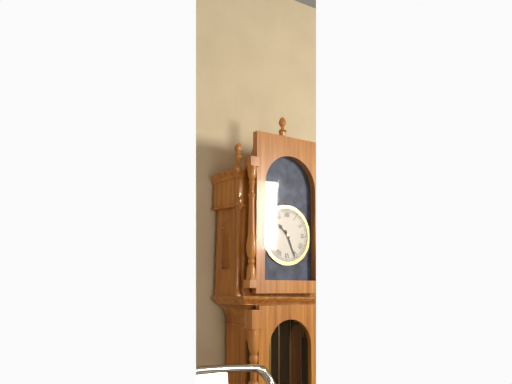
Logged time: 10 h 26 min
